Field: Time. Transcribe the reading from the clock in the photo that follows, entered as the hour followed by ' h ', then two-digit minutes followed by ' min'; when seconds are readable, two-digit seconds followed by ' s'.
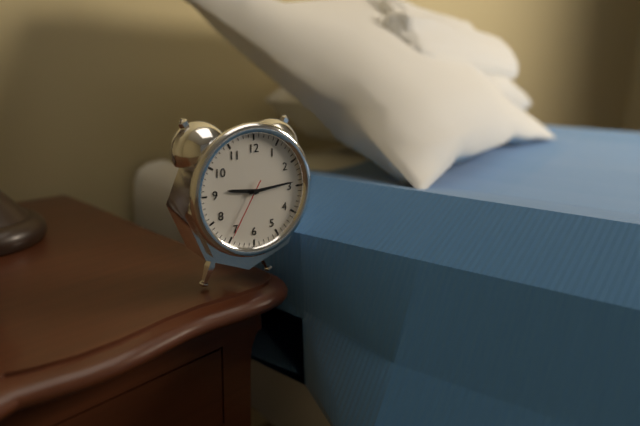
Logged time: 9 h 14 min 35 s
